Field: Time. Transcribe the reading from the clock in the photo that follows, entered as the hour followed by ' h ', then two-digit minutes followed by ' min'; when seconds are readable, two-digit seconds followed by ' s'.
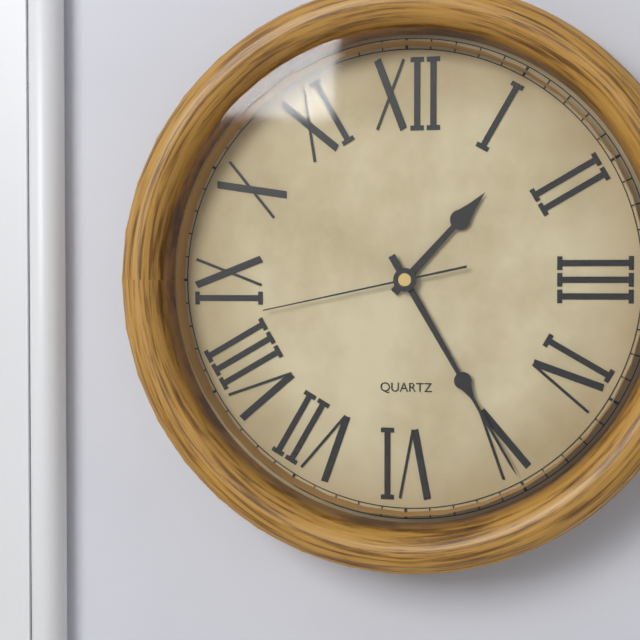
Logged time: 1 h 25 min 43 s
